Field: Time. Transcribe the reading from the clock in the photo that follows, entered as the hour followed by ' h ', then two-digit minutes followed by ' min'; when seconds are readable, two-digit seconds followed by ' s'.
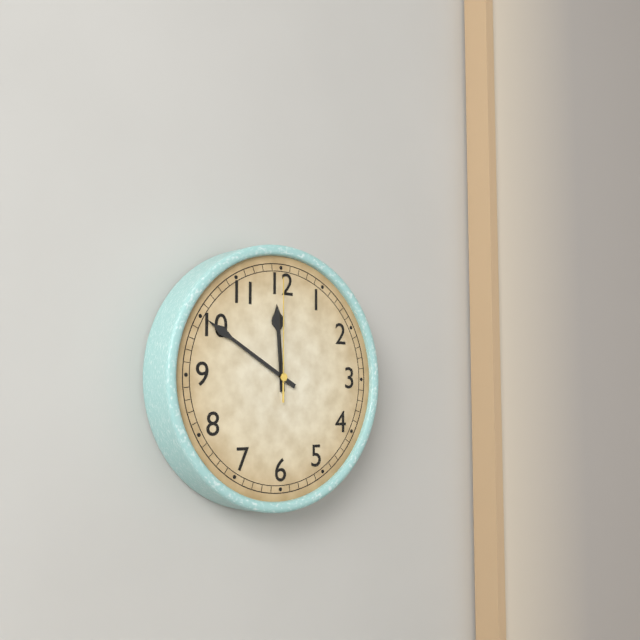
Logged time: 11 h 50 min 00 s
